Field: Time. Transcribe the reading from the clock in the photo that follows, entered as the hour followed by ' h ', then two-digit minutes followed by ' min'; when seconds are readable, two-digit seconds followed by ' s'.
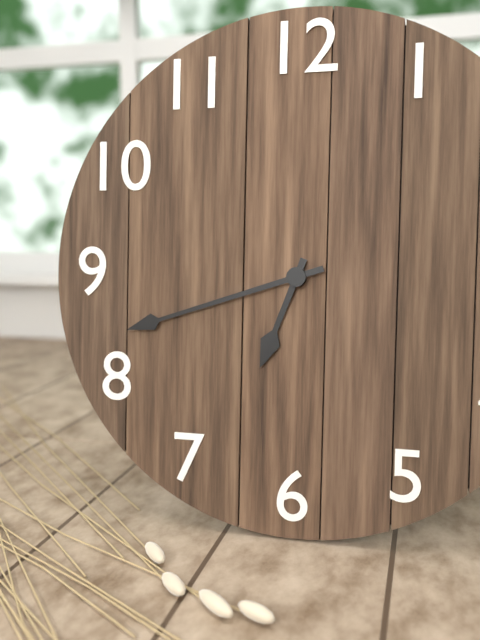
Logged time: 6 h 42 min
